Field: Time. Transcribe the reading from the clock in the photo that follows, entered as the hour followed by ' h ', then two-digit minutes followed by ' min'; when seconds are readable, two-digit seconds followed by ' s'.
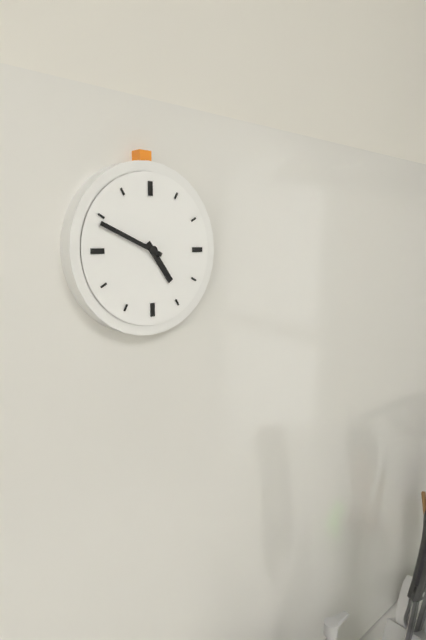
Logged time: 4 h 49 min
